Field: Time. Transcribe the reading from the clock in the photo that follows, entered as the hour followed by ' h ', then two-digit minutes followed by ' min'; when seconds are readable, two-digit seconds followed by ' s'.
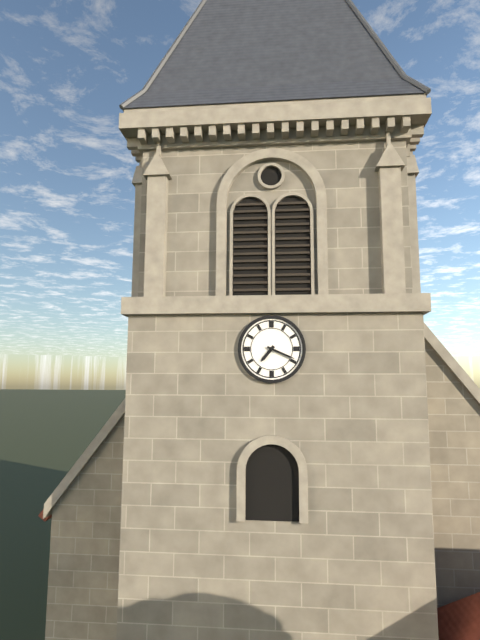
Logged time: 7 h 19 min
